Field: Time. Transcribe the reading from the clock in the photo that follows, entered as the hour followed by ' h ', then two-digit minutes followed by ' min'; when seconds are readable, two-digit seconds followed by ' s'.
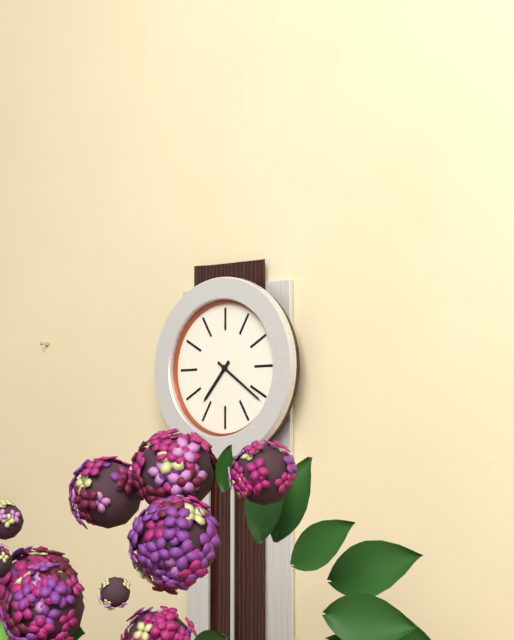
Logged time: 7 h 21 min
